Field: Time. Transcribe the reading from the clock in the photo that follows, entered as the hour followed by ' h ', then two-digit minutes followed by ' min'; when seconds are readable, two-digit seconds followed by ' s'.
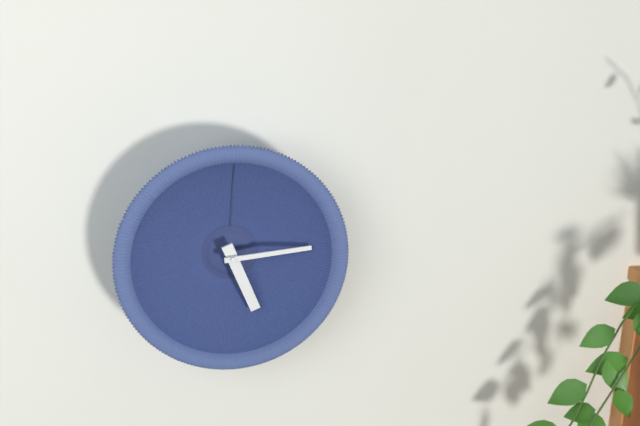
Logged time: 5 h 14 min
